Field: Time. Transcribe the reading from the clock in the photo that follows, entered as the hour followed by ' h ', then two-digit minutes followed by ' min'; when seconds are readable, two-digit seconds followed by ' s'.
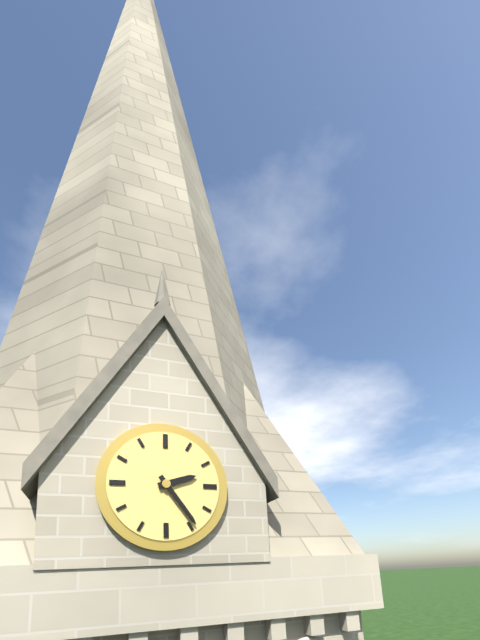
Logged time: 2 h 24 min
